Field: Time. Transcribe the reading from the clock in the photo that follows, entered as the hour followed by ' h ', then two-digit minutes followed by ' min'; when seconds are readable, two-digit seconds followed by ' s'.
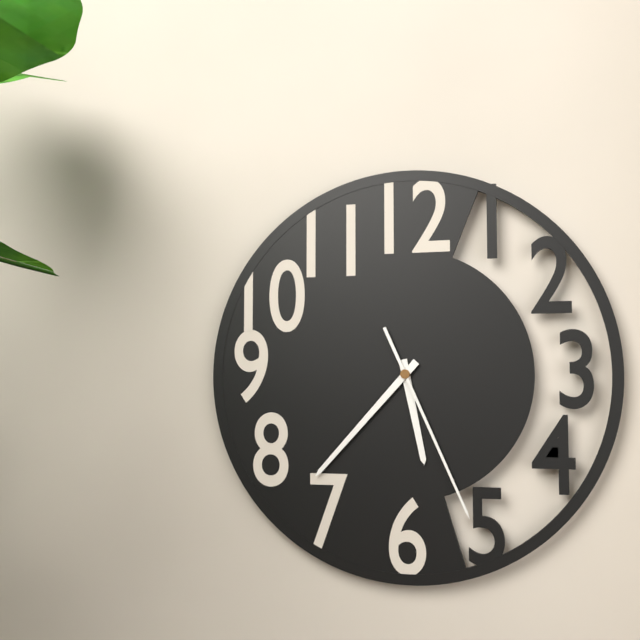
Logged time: 5 h 37 min 26 s
